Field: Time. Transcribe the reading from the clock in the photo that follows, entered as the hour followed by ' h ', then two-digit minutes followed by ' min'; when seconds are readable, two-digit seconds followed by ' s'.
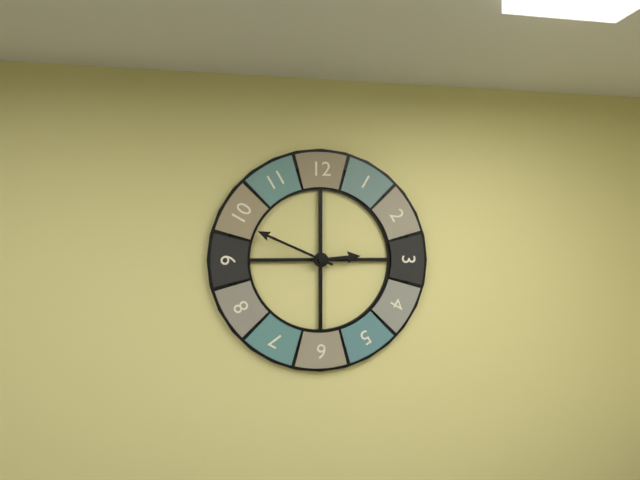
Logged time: 2 h 49 min
